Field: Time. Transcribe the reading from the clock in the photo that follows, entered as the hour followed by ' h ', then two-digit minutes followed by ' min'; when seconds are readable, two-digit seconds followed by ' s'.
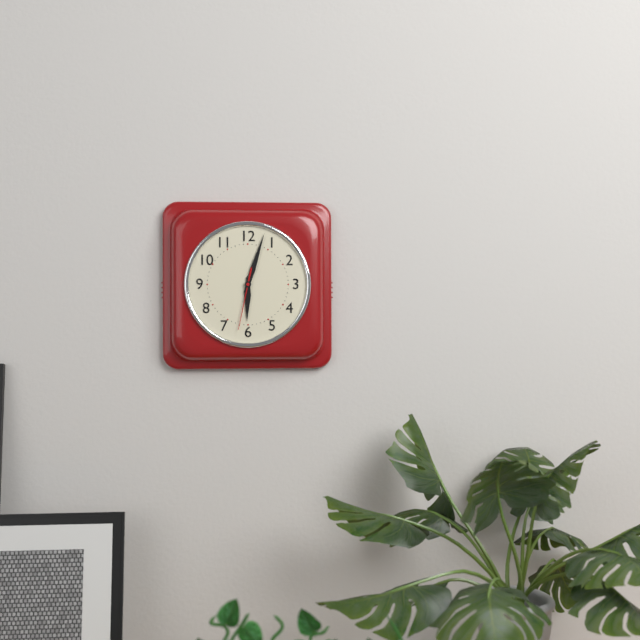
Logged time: 6 h 03 min 32 s
